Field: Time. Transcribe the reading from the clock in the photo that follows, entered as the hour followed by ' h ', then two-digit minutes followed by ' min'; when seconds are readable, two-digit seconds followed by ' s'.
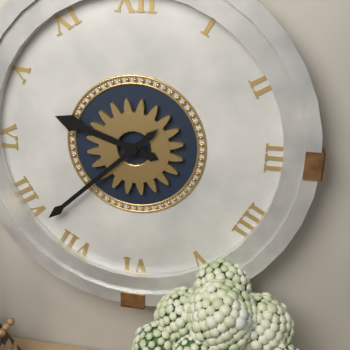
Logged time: 9 h 38 min
